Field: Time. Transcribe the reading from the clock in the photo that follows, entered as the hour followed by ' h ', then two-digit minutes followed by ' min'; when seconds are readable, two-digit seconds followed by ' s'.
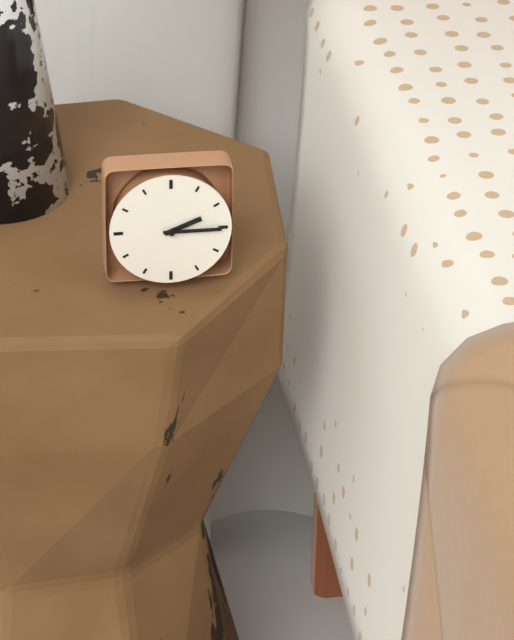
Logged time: 2 h 15 min
